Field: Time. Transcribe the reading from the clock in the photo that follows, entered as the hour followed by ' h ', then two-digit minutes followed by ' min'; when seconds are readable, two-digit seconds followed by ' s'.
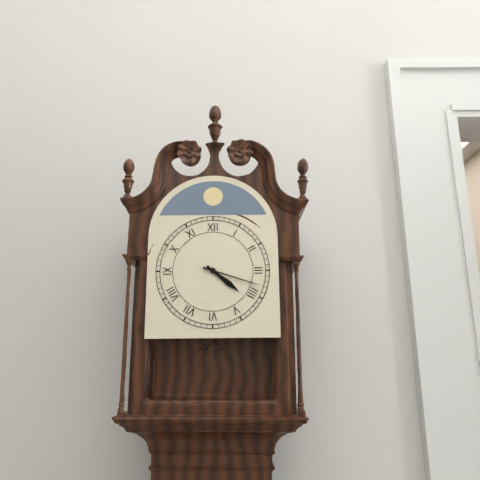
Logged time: 4 h 18 min
